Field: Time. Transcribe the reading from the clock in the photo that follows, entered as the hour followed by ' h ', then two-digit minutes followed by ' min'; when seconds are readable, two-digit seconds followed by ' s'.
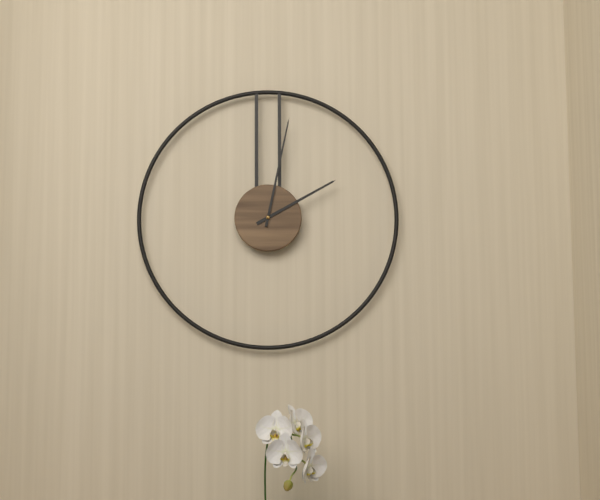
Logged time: 2 h 02 min
